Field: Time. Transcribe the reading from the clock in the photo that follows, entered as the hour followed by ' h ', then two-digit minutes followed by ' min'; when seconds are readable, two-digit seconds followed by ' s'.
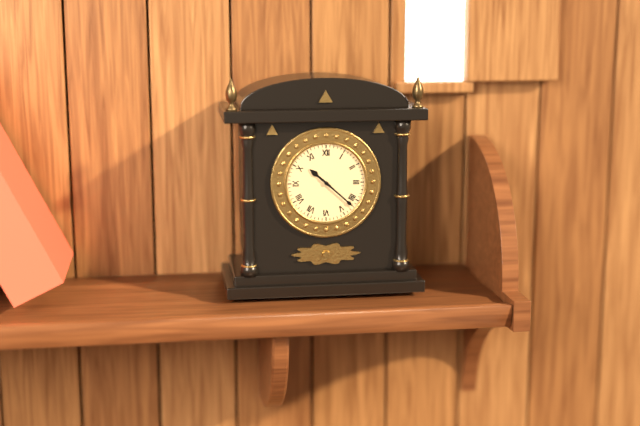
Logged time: 10 h 22 min
